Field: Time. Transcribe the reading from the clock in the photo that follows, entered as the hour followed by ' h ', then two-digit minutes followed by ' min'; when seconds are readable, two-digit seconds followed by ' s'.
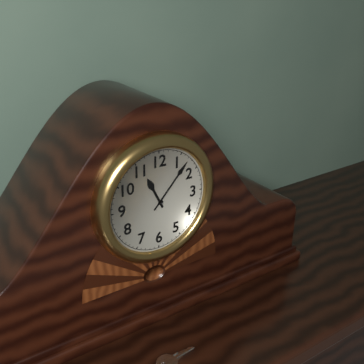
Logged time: 11 h 07 min
